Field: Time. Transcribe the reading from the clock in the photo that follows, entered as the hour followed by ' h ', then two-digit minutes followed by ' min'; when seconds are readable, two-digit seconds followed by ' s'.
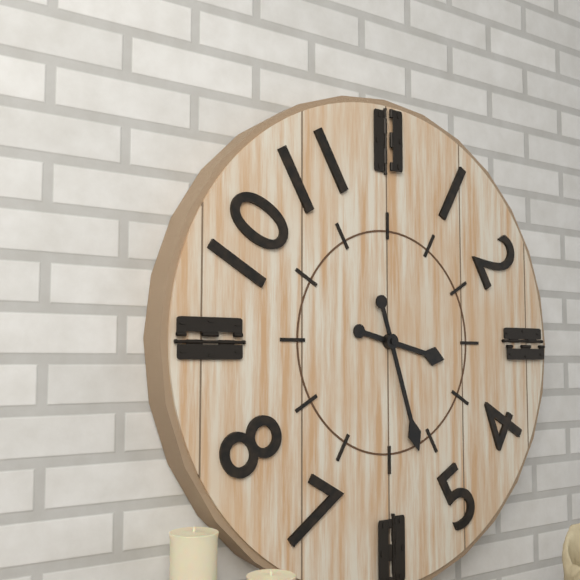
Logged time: 3 h 27 min
